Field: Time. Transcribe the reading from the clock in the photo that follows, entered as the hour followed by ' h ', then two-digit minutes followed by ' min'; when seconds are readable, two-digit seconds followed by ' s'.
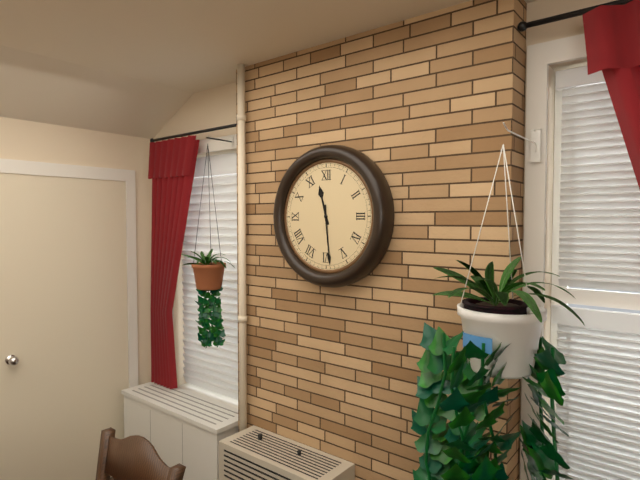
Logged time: 11 h 29 min
